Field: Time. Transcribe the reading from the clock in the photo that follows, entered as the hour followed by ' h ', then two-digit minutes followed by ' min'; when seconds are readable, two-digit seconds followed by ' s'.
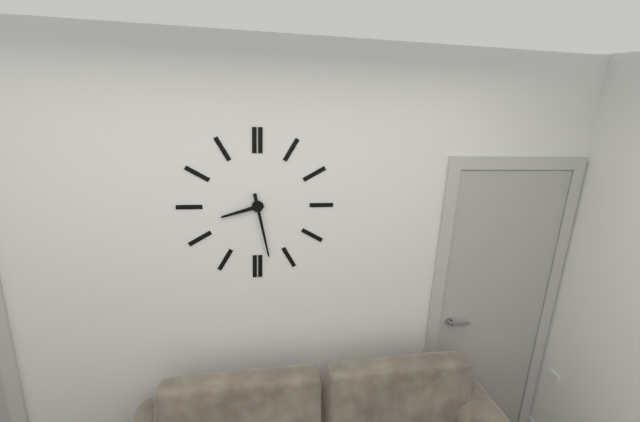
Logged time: 8 h 28 min
